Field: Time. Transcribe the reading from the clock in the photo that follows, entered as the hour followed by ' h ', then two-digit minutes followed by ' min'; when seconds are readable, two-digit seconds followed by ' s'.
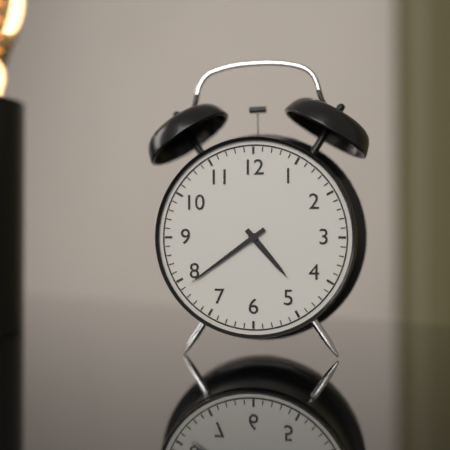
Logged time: 4 h 39 min
